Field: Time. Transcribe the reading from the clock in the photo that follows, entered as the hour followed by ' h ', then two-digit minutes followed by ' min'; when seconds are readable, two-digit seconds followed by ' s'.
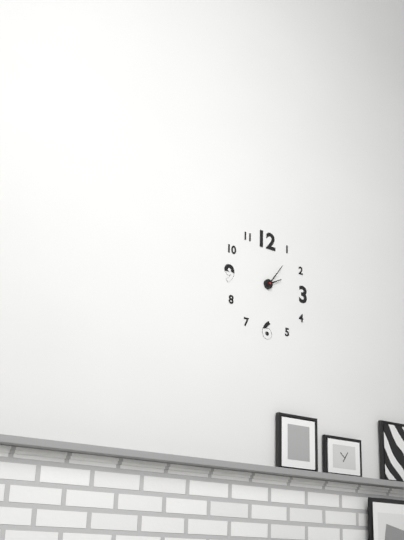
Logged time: 2 h 06 min
